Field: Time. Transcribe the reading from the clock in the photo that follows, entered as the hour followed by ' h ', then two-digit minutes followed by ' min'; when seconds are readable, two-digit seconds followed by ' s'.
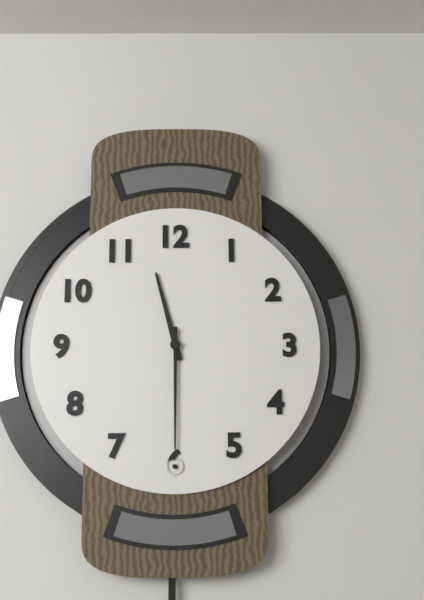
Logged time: 11 h 30 min
